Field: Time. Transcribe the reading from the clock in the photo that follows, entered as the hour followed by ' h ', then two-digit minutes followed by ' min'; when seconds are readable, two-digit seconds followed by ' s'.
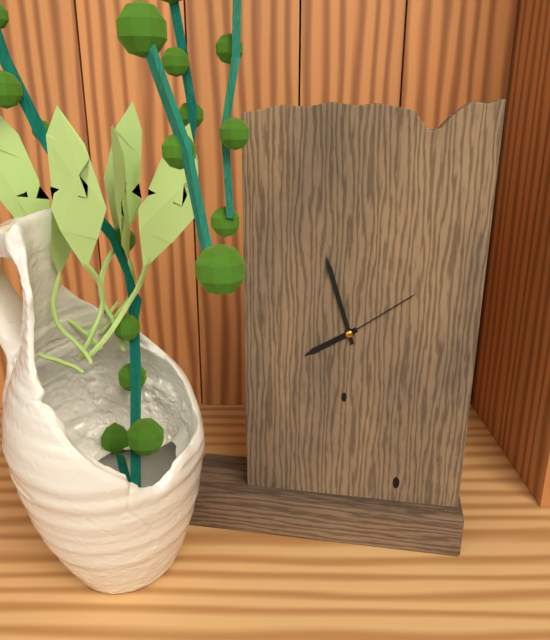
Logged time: 7 h 57 min 09 s
